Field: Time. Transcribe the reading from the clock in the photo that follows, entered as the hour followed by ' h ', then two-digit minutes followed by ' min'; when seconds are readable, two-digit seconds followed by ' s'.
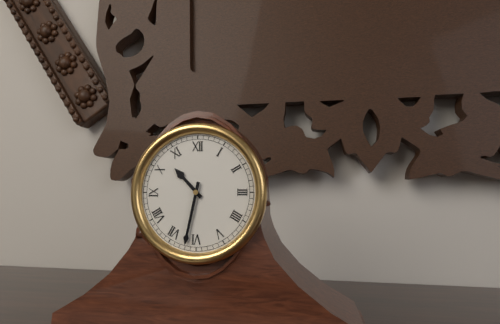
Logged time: 10 h 32 min
